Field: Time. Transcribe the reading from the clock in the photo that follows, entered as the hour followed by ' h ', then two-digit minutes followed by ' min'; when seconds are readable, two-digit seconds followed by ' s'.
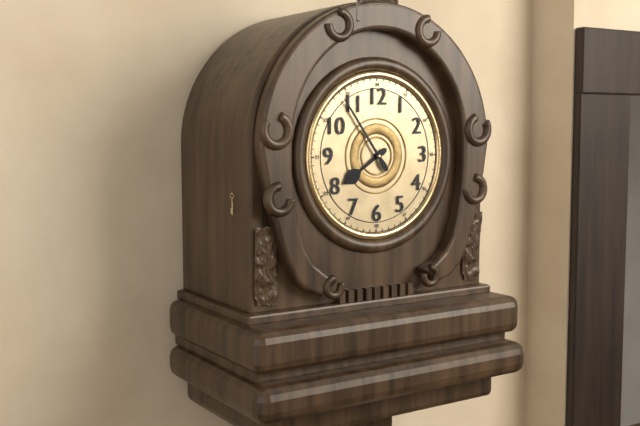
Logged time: 7 h 54 min
